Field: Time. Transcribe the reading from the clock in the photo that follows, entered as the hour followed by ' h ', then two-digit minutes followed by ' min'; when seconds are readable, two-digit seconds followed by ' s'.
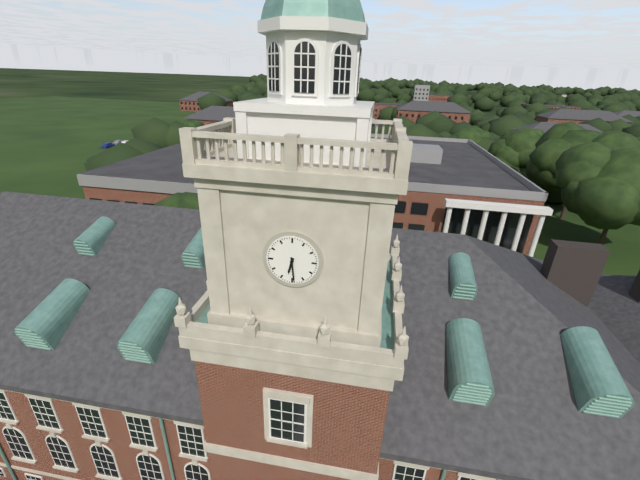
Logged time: 6 h 29 min
